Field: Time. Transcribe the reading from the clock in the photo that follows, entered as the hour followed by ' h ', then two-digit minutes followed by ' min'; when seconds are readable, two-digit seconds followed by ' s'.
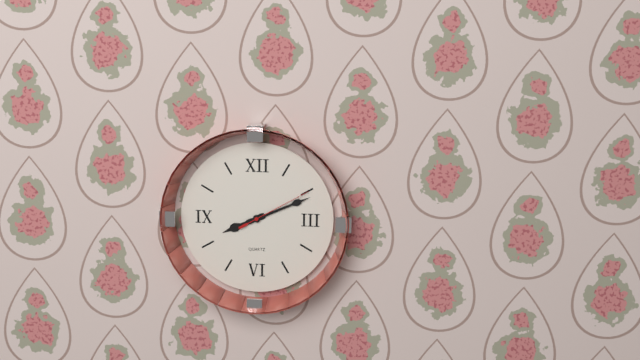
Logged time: 8 h 11 min 10 s
